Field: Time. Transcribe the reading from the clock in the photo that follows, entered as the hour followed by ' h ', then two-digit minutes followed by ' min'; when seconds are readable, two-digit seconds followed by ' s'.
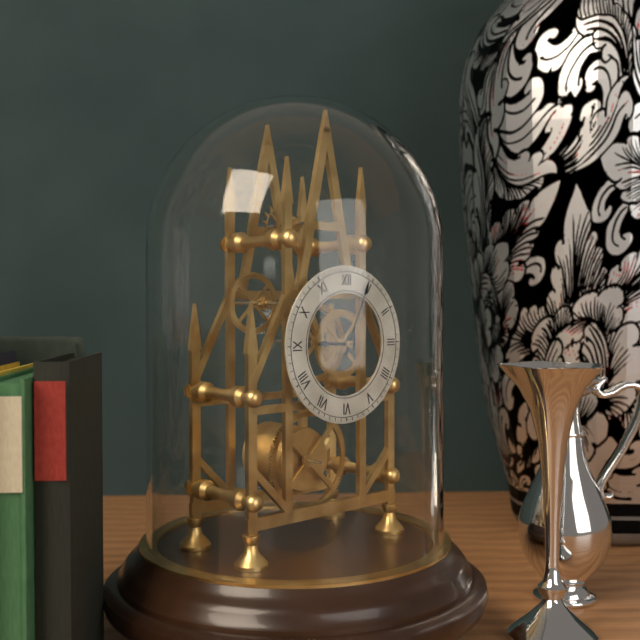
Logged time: 9 h 04 min
